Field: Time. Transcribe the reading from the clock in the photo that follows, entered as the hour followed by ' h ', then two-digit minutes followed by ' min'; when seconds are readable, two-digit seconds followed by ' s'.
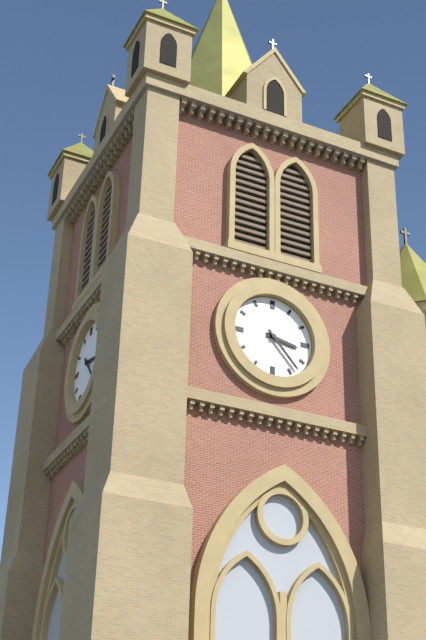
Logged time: 3 h 23 min
